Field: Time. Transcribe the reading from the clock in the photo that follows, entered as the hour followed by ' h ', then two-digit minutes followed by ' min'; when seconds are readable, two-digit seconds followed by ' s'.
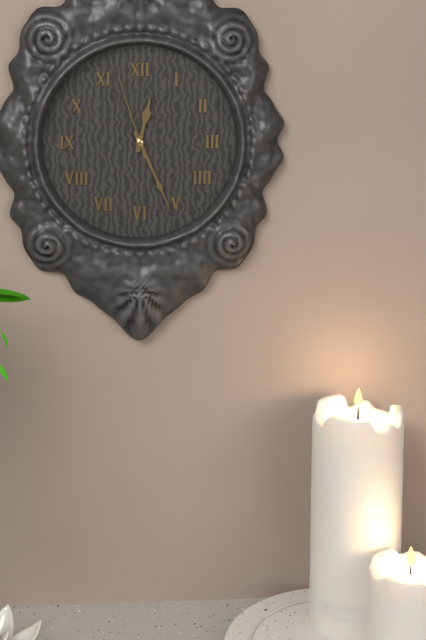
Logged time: 12 h 26 min 57 s
